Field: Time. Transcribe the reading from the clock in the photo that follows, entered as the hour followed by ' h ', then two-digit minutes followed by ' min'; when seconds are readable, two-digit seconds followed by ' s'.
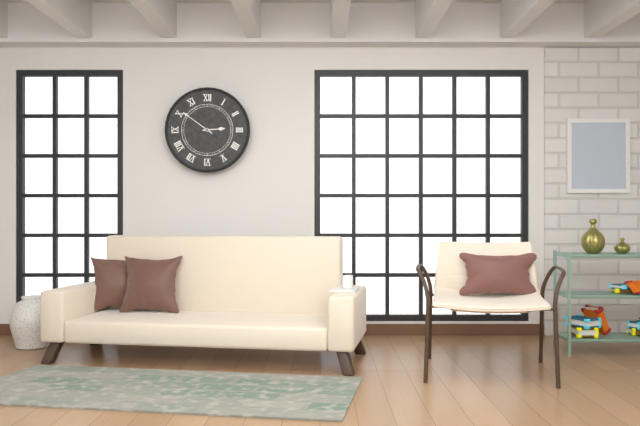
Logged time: 2 h 51 min
